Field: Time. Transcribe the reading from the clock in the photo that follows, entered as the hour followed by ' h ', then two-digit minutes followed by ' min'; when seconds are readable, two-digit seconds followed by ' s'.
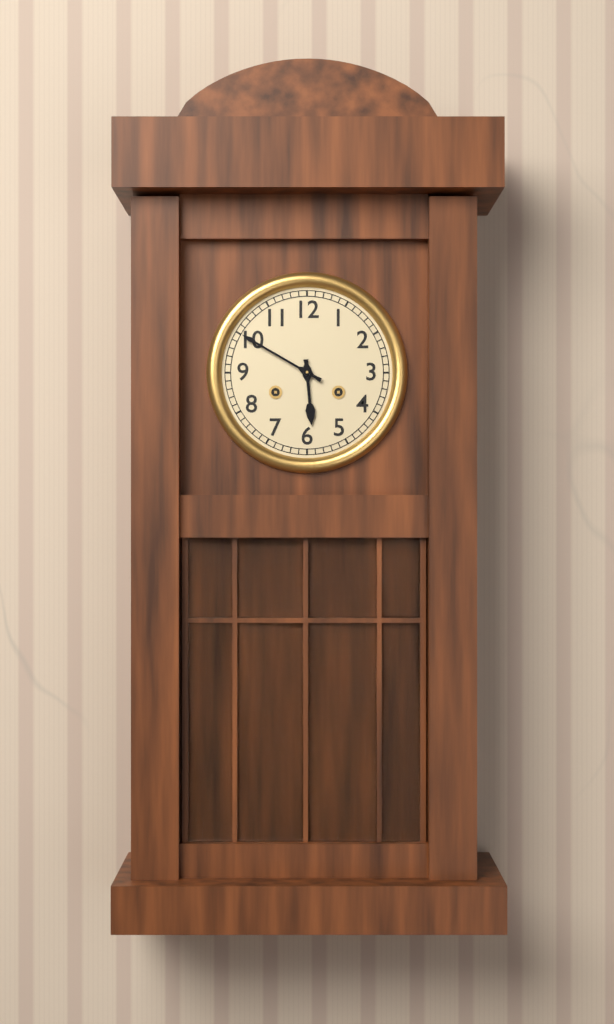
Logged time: 5 h 50 min
